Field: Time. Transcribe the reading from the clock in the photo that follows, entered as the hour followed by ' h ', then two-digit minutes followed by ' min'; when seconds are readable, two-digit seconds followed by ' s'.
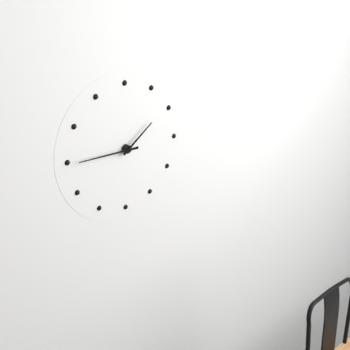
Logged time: 1 h 45 min
